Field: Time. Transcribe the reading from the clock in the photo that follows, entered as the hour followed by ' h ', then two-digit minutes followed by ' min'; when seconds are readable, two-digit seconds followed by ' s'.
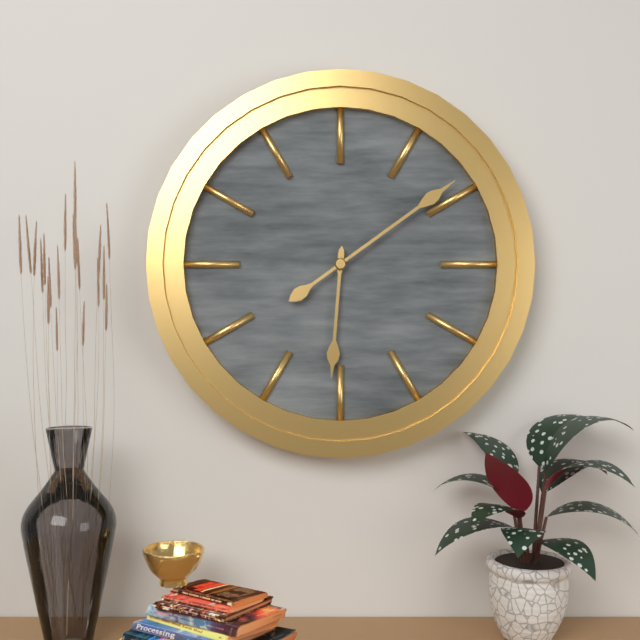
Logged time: 6 h 09 min
